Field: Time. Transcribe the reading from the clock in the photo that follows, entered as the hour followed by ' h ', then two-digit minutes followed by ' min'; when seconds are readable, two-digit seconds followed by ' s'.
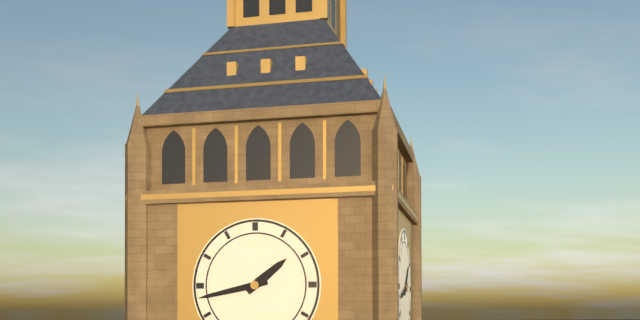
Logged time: 1 h 43 min
